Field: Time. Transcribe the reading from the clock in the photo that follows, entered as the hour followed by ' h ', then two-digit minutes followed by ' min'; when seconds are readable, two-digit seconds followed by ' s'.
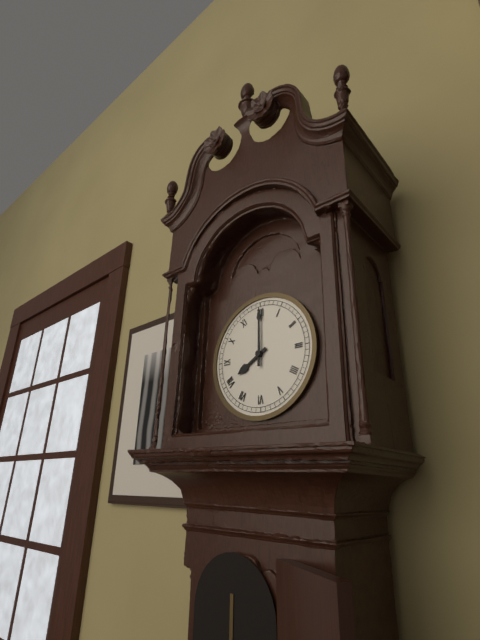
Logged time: 8 h 00 min
